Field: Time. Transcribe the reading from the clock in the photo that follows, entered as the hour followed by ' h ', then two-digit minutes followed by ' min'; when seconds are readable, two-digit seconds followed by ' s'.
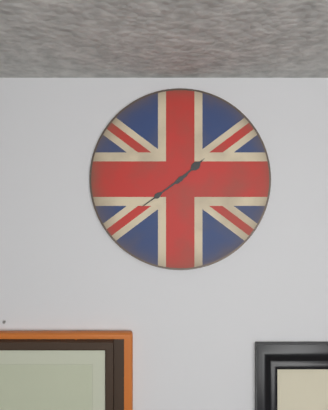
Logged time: 1 h 39 min
